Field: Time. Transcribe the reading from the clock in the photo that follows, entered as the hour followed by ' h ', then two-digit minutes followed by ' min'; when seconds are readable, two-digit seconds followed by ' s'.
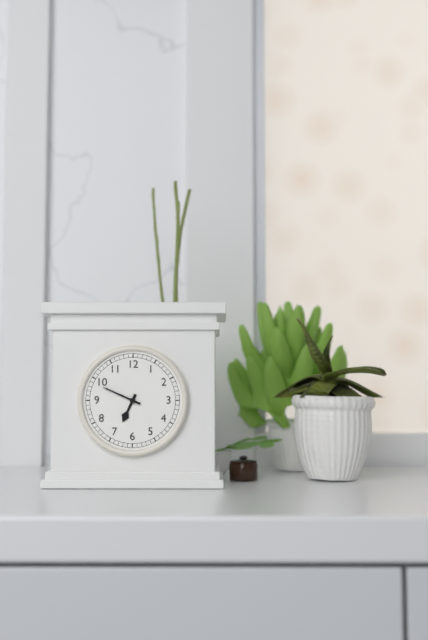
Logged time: 6 h 49 min
